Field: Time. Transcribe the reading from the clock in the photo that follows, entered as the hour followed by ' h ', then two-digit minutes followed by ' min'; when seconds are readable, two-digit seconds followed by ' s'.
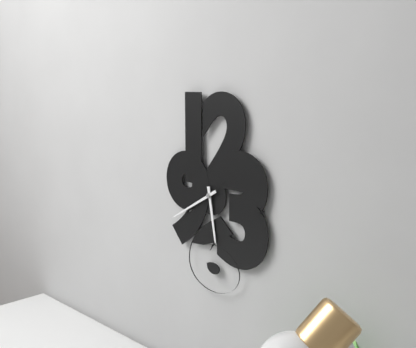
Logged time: 5 h 40 min
